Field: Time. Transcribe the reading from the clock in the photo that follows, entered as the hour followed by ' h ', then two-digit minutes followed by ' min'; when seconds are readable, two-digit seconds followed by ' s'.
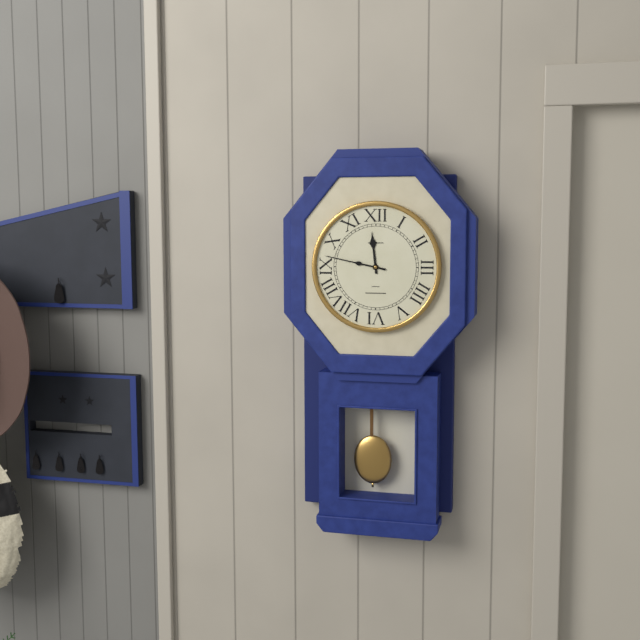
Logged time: 11 h 47 min
